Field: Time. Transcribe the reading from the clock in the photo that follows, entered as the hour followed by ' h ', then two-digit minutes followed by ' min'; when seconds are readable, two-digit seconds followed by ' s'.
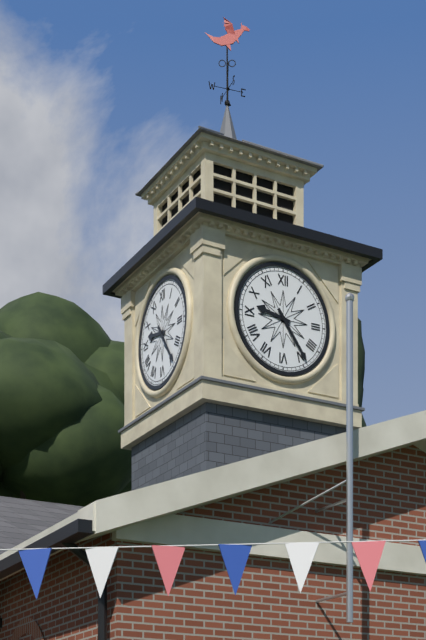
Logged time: 9 h 24 min
